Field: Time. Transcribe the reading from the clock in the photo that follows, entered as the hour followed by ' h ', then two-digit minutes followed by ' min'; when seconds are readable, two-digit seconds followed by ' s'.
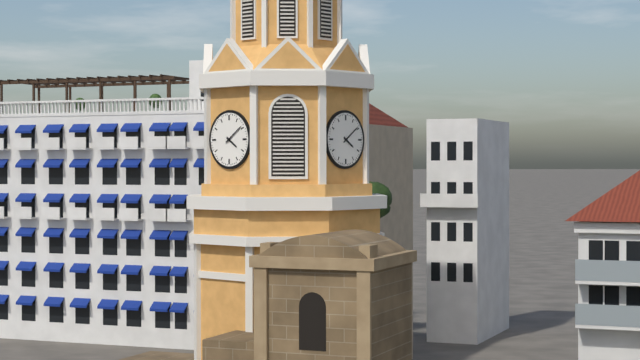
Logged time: 4 h 09 min
